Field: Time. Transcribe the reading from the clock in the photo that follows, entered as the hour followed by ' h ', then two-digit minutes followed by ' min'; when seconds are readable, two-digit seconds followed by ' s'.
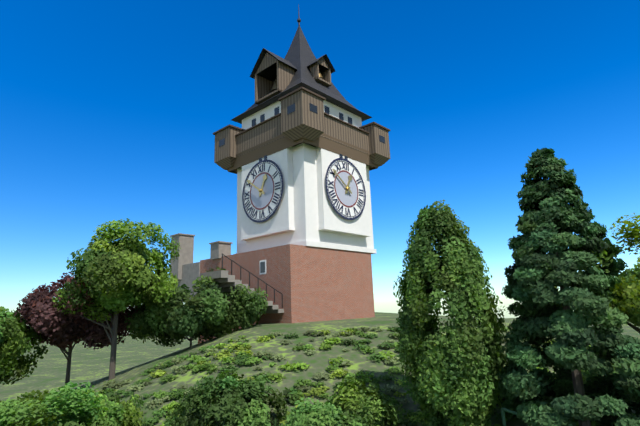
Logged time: 12 h 51 min
